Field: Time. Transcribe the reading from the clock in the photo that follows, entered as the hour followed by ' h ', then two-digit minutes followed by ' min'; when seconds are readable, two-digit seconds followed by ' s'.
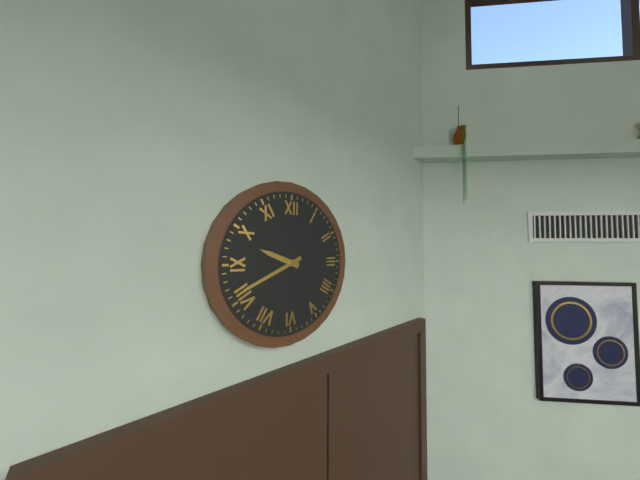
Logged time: 9 h 41 min
